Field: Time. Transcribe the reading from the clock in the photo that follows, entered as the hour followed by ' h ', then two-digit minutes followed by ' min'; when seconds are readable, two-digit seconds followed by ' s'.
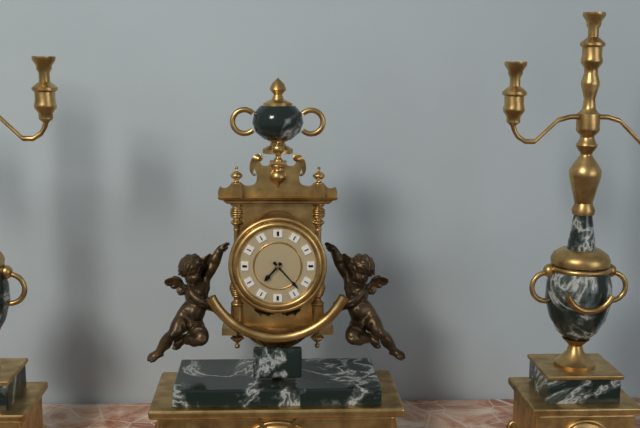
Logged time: 7 h 23 min
